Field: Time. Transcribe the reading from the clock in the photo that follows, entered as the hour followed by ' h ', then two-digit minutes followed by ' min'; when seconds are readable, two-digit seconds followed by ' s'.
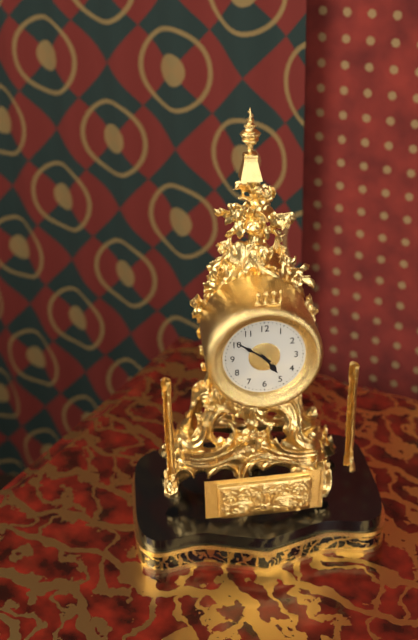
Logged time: 4 h 51 min
